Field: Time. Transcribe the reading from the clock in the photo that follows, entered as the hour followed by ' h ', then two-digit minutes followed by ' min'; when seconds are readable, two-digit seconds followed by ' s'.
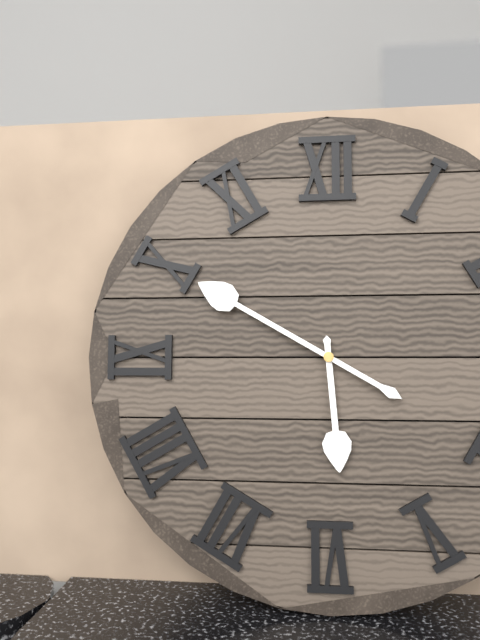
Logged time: 5 h 50 min
